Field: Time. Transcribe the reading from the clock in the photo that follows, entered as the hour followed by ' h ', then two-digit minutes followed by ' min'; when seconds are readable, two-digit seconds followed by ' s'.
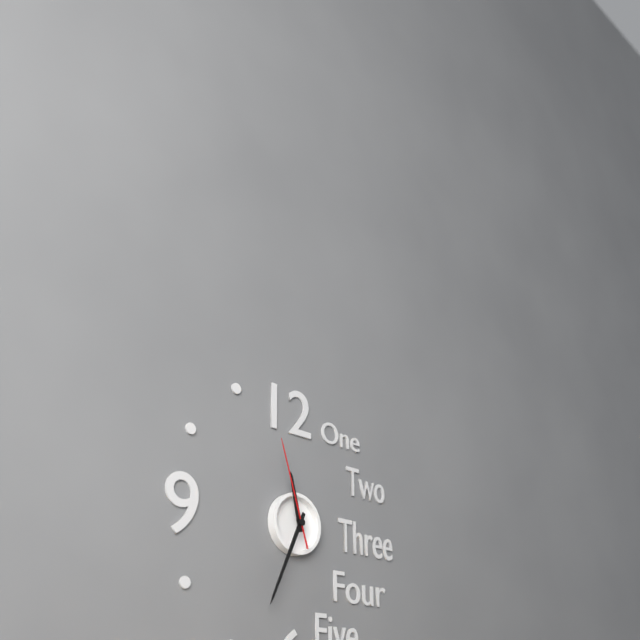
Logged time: 11 h 34 min 57 s
